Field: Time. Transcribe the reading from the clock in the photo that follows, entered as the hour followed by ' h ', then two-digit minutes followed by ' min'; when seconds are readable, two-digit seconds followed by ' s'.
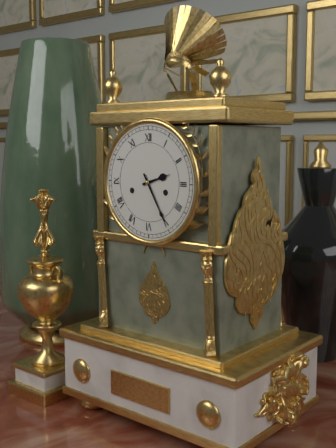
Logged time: 2 h 25 min
